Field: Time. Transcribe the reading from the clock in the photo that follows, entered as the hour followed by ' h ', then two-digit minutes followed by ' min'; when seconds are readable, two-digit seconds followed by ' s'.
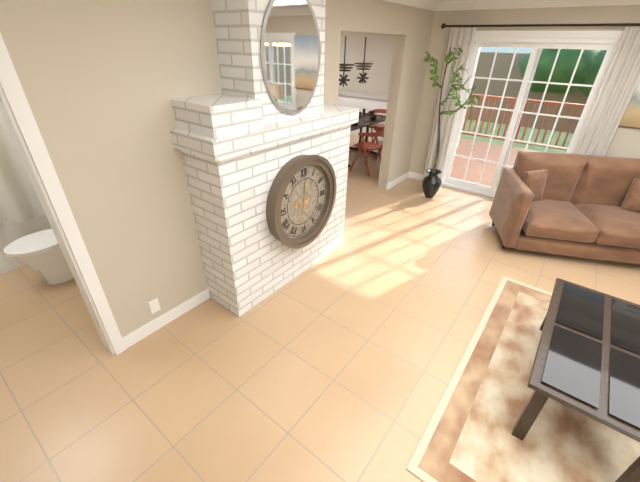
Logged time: 9 h 01 min
